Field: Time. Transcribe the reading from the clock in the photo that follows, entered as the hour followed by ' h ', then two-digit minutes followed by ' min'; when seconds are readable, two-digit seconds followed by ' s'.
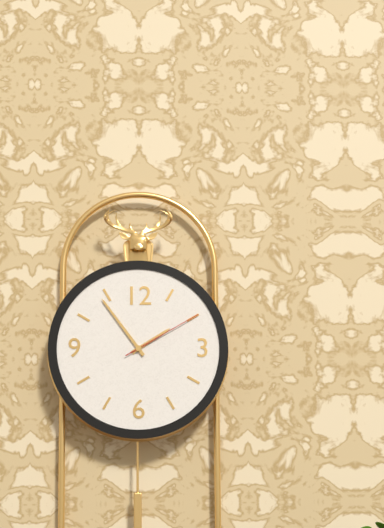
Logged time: 1 h 54 min 10 s
